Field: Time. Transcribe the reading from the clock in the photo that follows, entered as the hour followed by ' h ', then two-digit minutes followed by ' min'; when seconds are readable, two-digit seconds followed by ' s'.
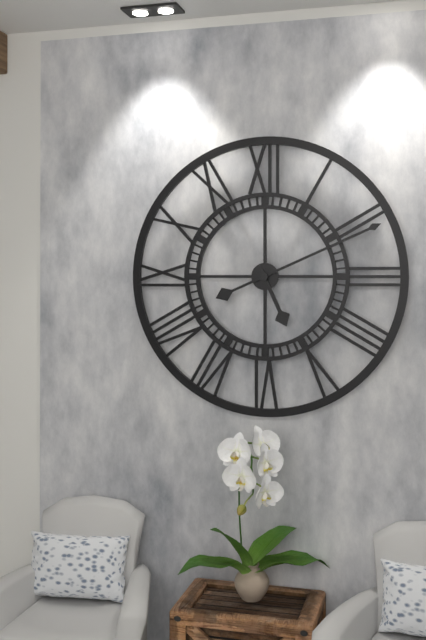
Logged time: 5 h 11 min
